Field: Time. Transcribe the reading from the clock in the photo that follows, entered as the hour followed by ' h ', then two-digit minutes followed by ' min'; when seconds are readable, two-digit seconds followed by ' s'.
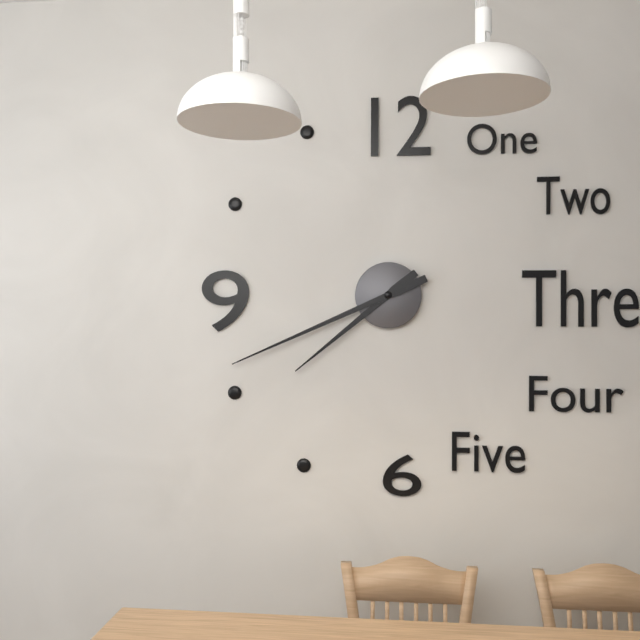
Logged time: 7 h 41 min
